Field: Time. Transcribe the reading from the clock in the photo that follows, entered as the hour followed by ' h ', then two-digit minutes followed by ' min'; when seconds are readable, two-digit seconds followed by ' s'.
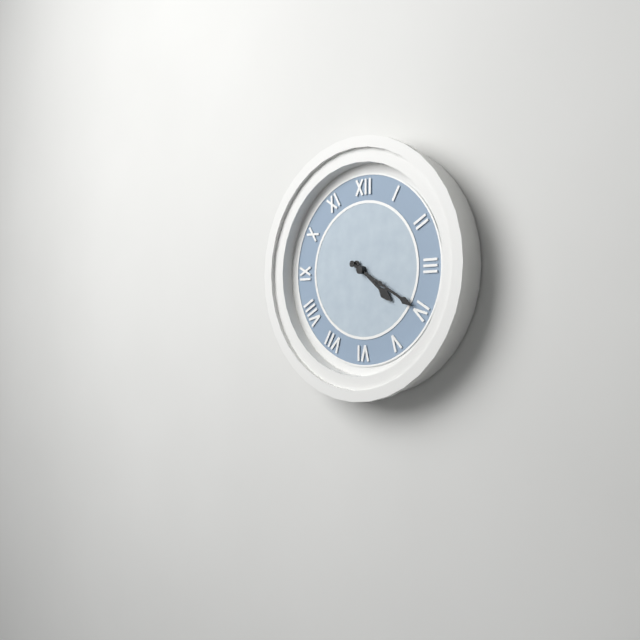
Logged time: 4 h 20 min
